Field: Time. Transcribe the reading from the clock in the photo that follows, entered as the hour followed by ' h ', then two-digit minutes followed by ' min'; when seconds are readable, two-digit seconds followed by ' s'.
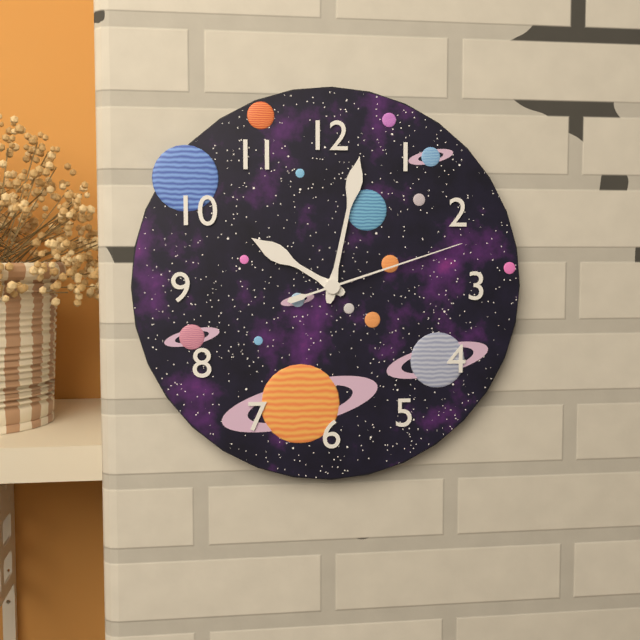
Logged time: 10 h 02 min 12 s
